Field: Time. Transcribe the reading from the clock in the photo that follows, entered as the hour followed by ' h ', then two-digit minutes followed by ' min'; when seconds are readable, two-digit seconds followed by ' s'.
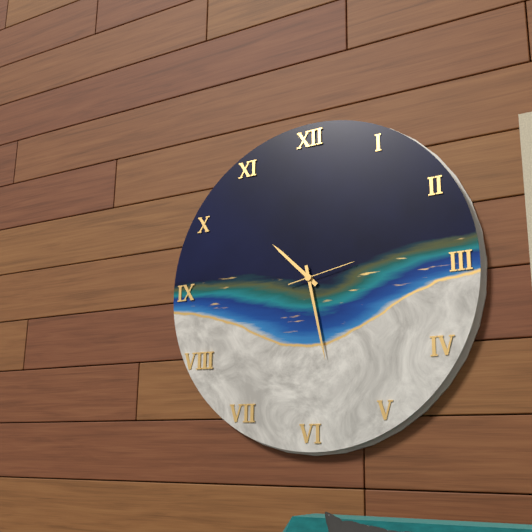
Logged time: 10 h 28 min 13 s
